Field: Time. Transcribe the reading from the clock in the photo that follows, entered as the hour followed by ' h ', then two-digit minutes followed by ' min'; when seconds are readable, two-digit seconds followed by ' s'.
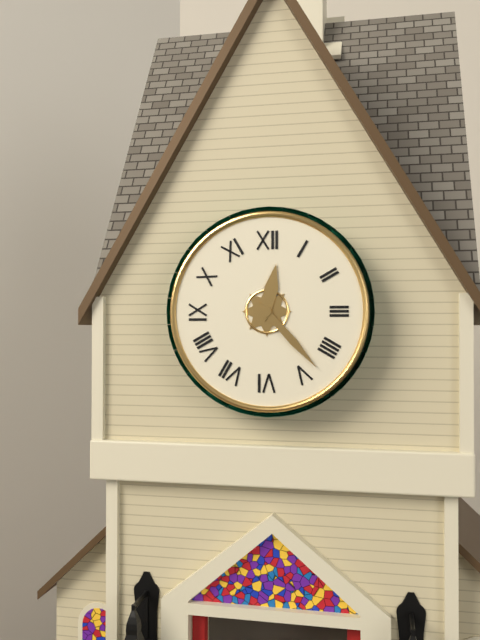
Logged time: 12 h 23 min
